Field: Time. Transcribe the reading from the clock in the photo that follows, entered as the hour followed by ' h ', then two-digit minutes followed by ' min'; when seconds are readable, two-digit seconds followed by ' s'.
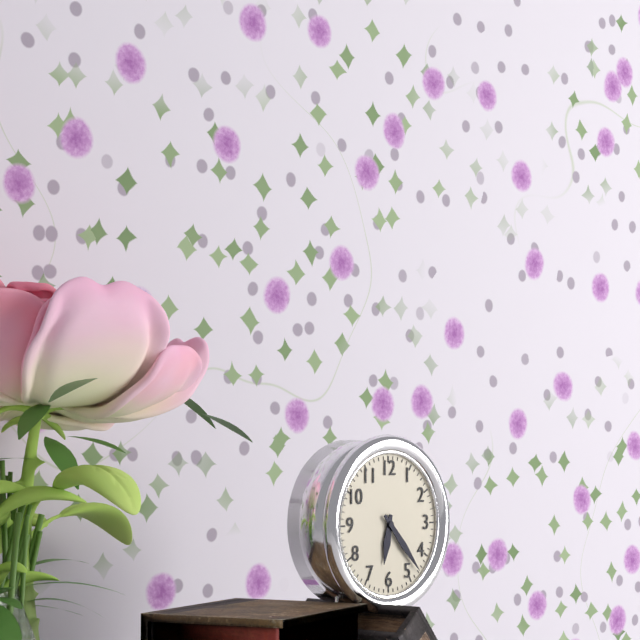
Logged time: 6 h 23 min
